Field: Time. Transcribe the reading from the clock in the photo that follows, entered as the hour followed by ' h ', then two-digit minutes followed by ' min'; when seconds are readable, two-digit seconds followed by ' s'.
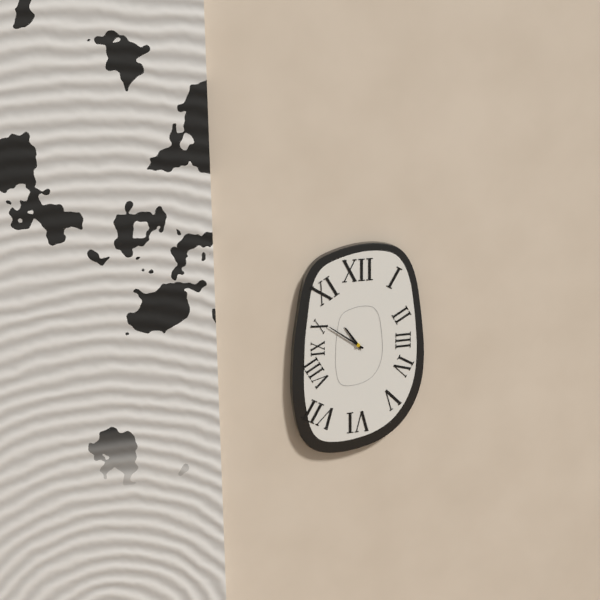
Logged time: 10 h 51 min
